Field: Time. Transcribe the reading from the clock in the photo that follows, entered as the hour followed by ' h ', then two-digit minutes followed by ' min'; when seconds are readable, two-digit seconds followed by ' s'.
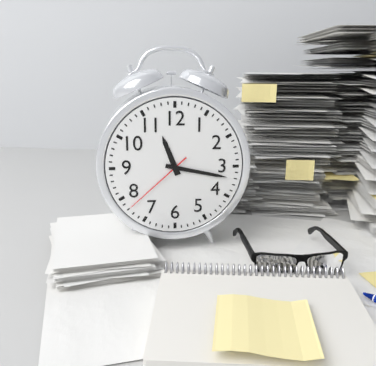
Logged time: 11 h 17 min 38 s
